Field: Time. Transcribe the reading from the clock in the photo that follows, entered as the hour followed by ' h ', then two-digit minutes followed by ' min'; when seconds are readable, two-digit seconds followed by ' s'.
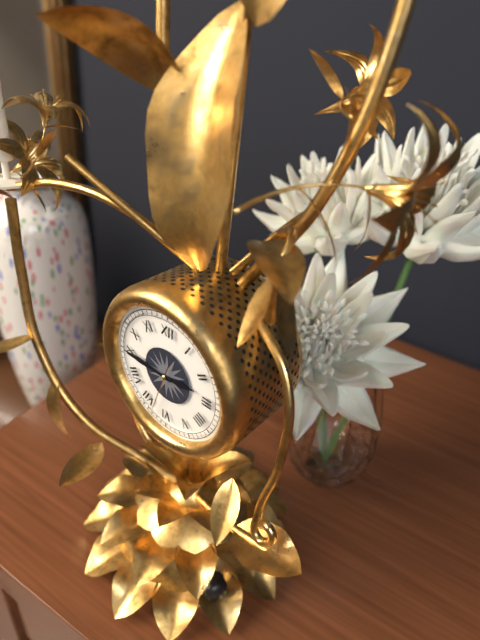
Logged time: 2 h 45 min 33 s
